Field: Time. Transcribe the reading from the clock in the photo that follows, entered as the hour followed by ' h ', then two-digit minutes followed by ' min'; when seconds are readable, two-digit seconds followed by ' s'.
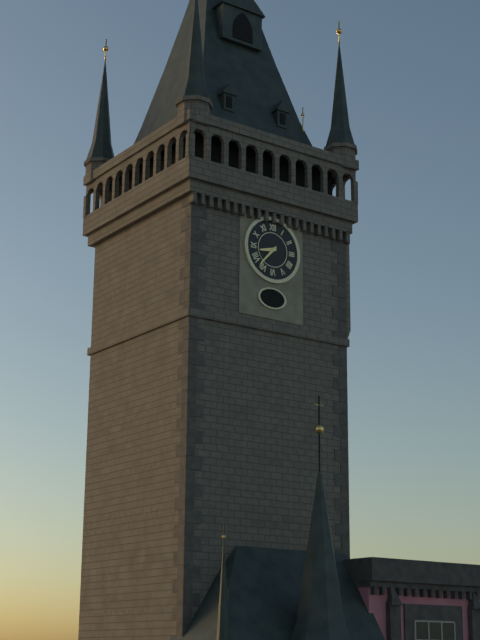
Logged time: 8 h 37 min
